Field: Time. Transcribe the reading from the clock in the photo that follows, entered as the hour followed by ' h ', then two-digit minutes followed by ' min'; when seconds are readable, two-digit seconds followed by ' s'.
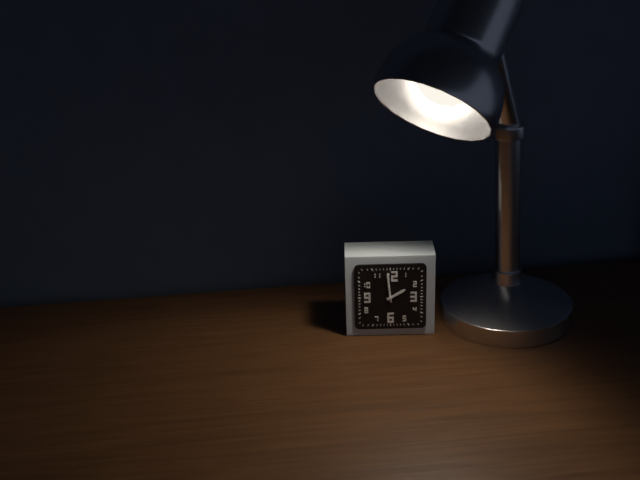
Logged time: 1 h 59 min
